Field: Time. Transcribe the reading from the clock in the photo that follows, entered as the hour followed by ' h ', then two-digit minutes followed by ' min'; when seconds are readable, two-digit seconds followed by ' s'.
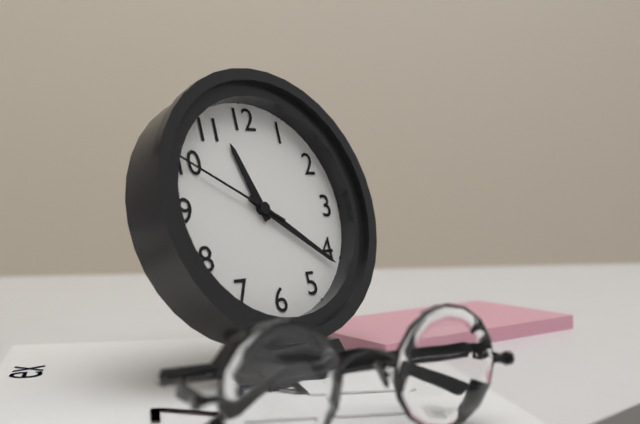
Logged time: 11 h 21 min 50 s
